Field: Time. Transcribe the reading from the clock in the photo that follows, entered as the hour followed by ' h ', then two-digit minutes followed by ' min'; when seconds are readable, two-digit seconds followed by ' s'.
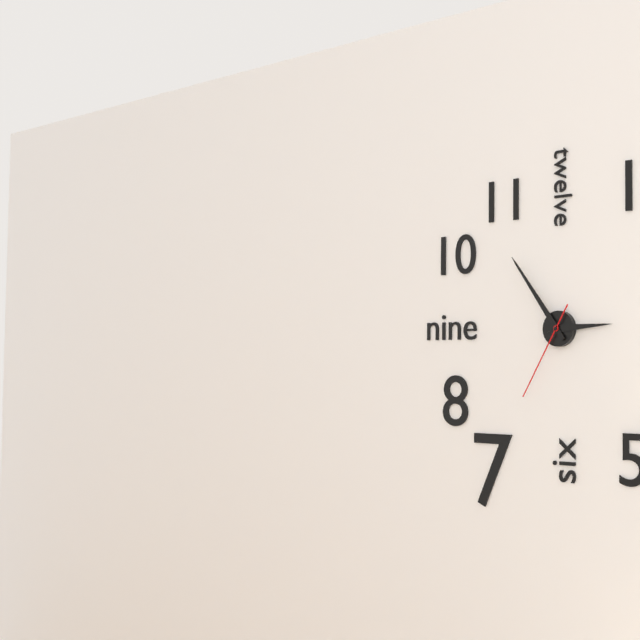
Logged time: 2 h 54 min 35 s
